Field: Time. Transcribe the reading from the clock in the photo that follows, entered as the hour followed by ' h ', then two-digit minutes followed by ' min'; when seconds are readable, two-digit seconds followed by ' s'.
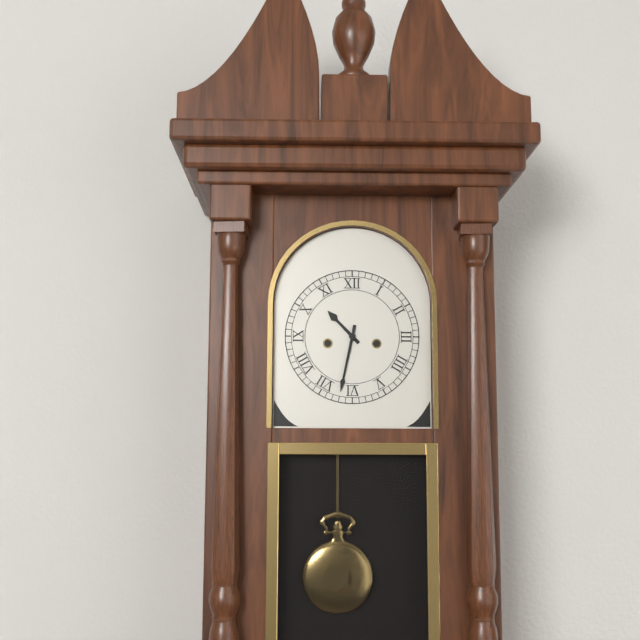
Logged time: 10 h 32 min
